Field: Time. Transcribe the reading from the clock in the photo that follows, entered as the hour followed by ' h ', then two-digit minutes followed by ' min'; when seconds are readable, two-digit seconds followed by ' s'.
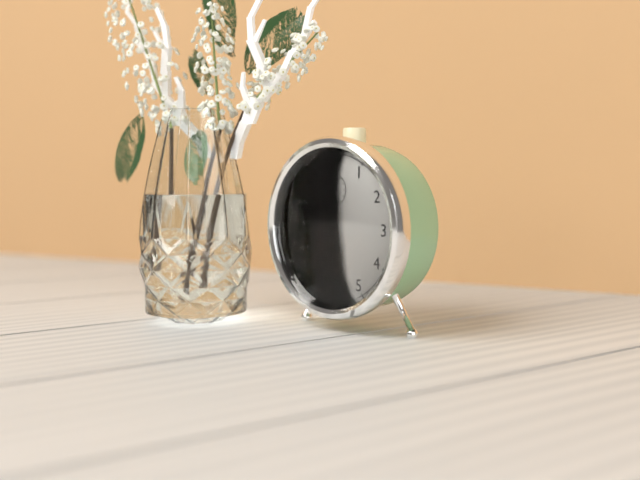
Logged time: 5 h 51 min
